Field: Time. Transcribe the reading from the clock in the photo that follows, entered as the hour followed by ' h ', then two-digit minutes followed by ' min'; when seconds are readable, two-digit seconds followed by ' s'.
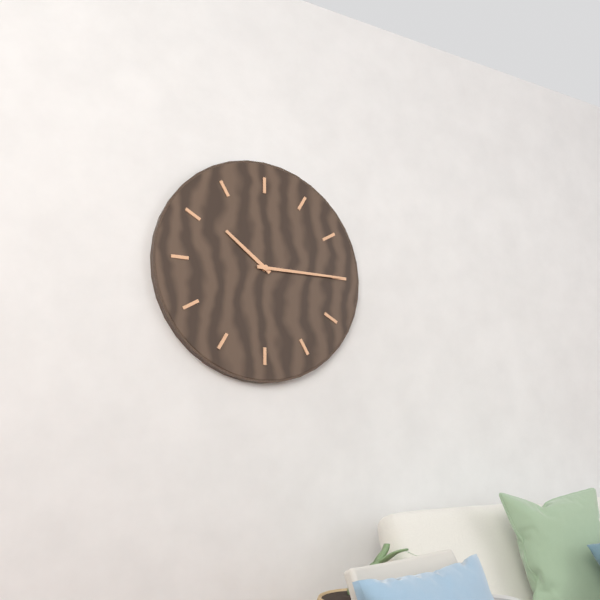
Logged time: 10 h 15 min
